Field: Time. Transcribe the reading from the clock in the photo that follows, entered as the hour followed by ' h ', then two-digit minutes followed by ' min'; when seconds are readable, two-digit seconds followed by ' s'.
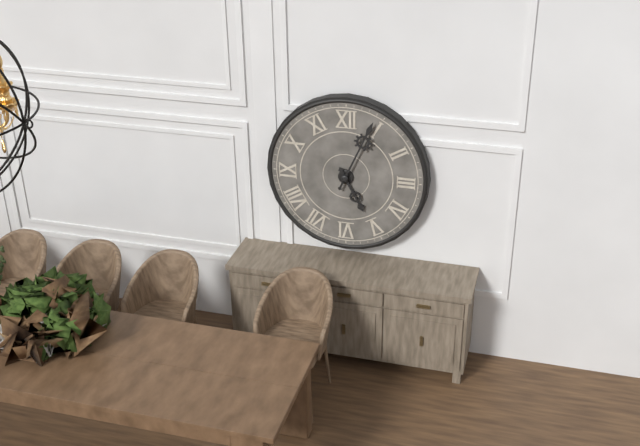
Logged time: 5 h 04 min
